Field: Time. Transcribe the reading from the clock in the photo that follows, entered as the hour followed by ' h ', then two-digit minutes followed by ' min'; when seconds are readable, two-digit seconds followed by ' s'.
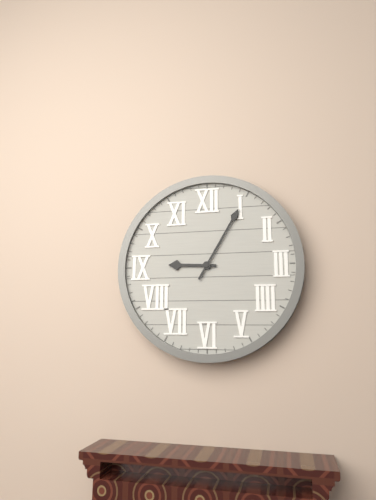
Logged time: 9 h 05 min
